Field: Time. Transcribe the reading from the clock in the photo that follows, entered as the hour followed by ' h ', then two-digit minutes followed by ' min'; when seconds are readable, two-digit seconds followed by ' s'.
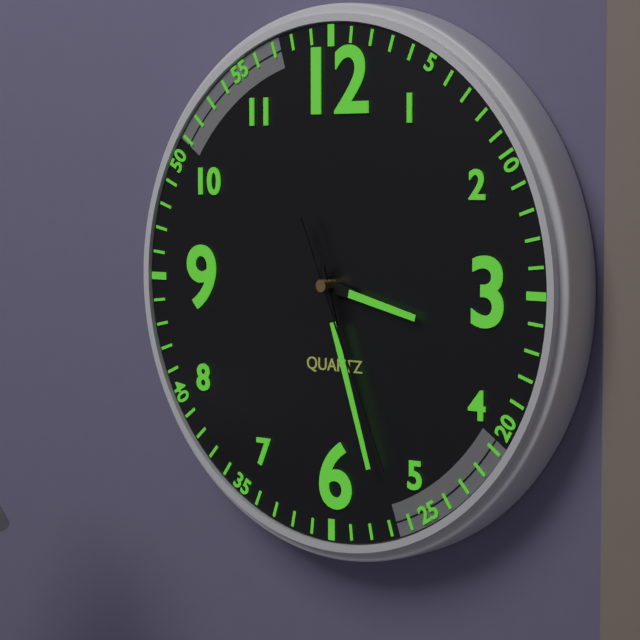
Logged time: 3 h 27 min 26 s
